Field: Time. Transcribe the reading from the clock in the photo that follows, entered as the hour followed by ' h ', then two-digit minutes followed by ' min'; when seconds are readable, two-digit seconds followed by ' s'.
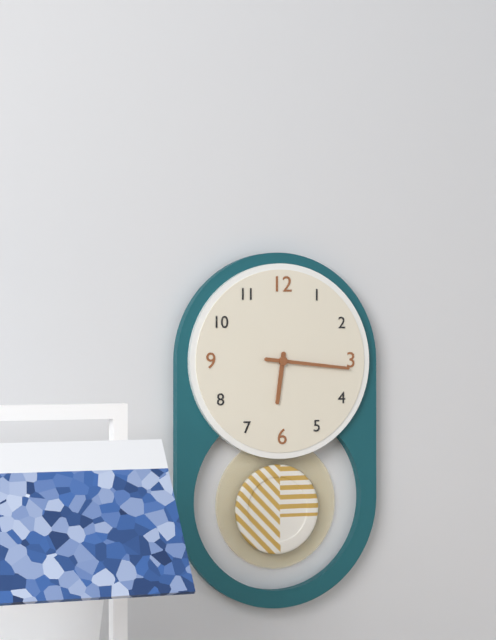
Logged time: 6 h 16 min
